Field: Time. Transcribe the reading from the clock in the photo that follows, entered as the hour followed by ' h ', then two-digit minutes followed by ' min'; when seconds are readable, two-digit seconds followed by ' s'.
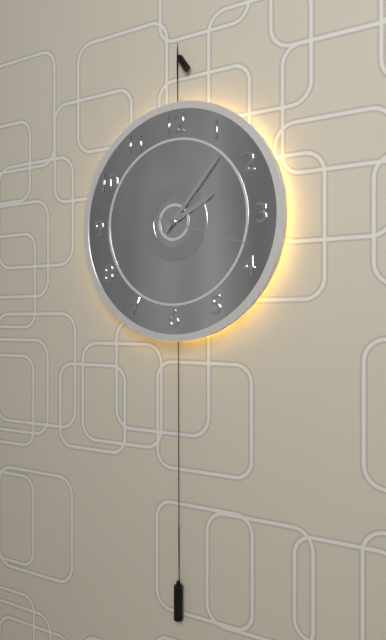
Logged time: 2 h 07 min 18 s
